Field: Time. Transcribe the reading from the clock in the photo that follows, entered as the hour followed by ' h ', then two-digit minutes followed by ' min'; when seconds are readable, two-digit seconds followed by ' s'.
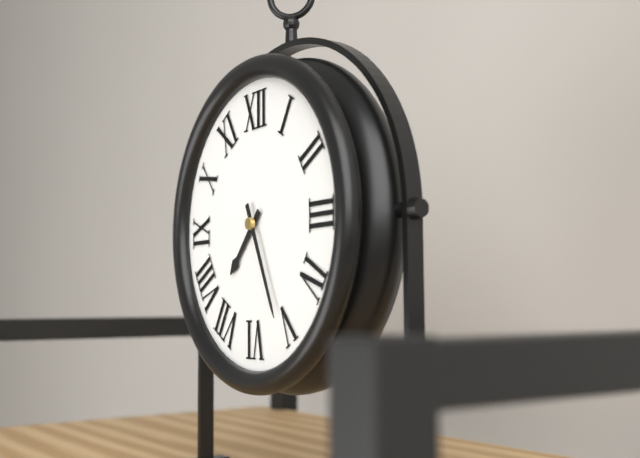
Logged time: 7 h 26 min
